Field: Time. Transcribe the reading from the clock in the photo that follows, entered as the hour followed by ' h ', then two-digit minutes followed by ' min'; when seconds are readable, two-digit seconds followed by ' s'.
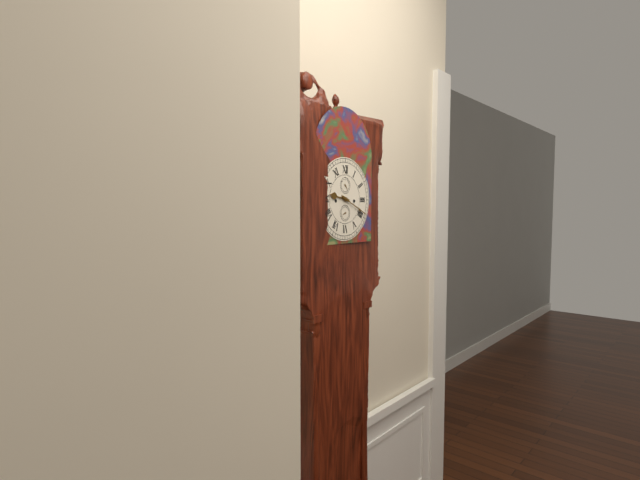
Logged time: 9 h 19 min
